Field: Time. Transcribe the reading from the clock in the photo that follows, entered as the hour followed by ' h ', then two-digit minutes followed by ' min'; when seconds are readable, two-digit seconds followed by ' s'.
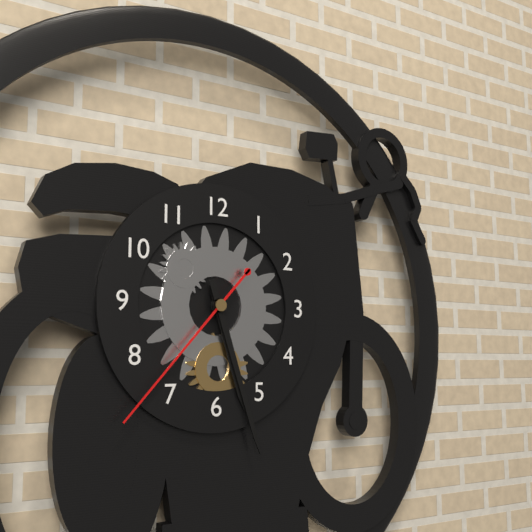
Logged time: 5 h 27 min 37 s
